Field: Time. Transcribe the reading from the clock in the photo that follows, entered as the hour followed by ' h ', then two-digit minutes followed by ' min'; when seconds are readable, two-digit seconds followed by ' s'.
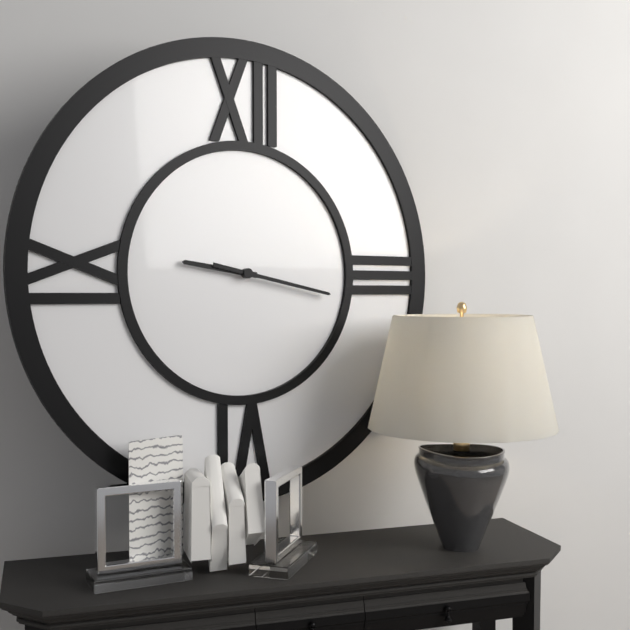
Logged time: 9 h 17 min
